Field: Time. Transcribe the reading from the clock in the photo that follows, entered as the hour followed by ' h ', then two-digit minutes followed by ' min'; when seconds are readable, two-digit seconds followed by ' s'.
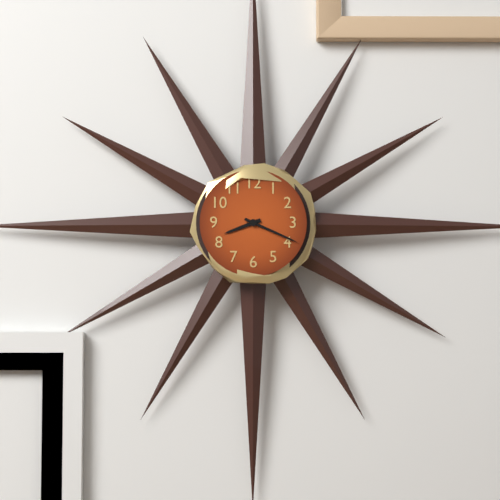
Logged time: 8 h 19 min
